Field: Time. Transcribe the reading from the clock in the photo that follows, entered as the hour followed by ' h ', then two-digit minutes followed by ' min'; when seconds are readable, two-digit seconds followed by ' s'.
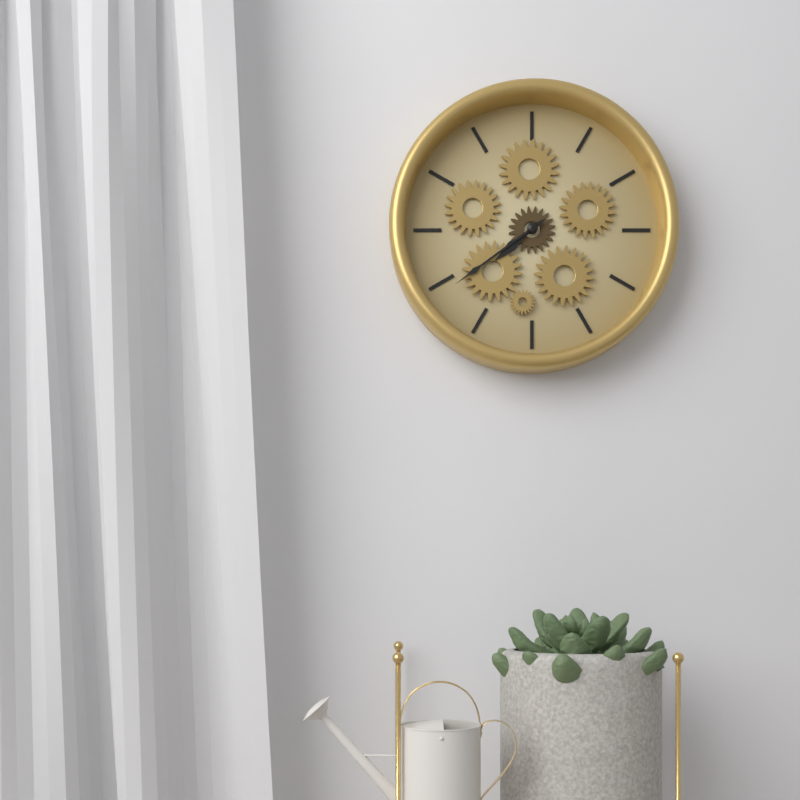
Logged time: 7 h 39 min
